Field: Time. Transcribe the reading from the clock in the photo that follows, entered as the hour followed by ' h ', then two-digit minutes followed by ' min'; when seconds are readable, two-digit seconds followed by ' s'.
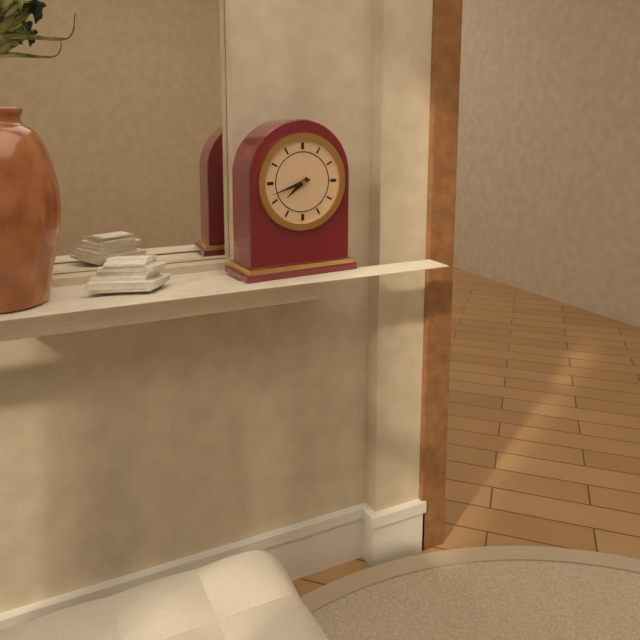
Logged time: 7 h 42 min
